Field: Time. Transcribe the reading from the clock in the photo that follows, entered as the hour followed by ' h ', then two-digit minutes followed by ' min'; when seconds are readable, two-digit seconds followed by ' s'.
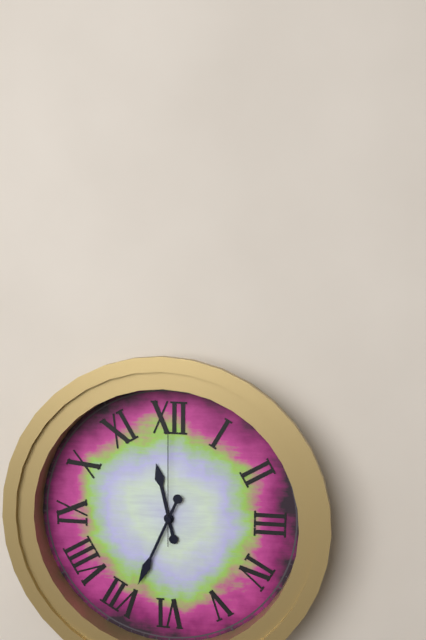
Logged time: 11 h 34 min 00 s
